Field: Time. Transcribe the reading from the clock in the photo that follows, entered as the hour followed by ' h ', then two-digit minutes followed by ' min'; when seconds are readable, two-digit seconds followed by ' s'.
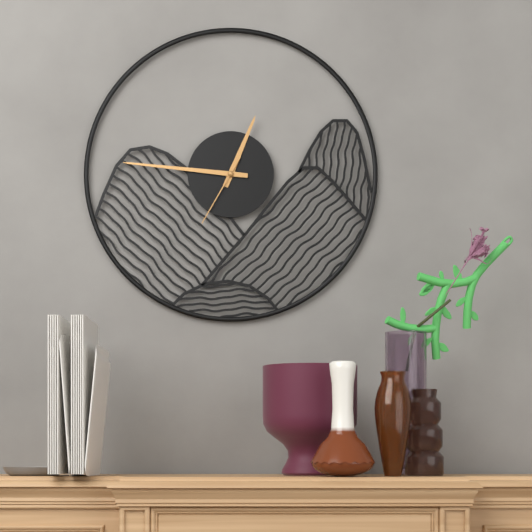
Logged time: 12 h 46 min 35 s
